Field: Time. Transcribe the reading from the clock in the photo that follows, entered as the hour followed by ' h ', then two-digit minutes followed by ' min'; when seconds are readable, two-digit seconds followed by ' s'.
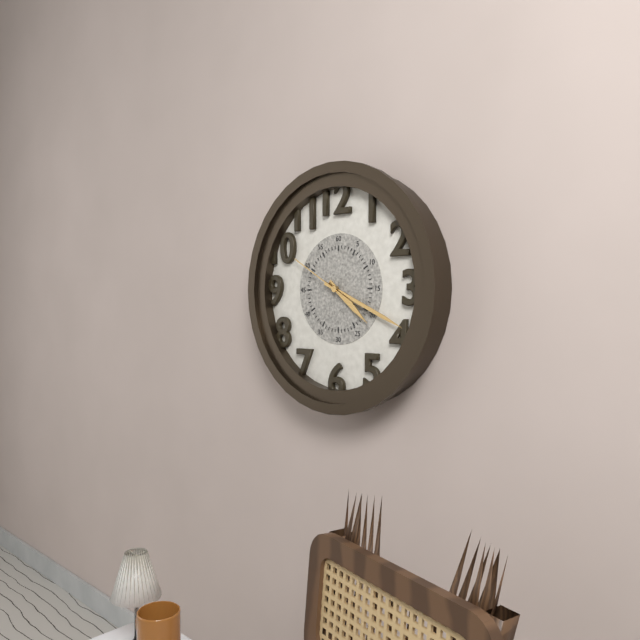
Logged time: 4 h 19 min 50 s
